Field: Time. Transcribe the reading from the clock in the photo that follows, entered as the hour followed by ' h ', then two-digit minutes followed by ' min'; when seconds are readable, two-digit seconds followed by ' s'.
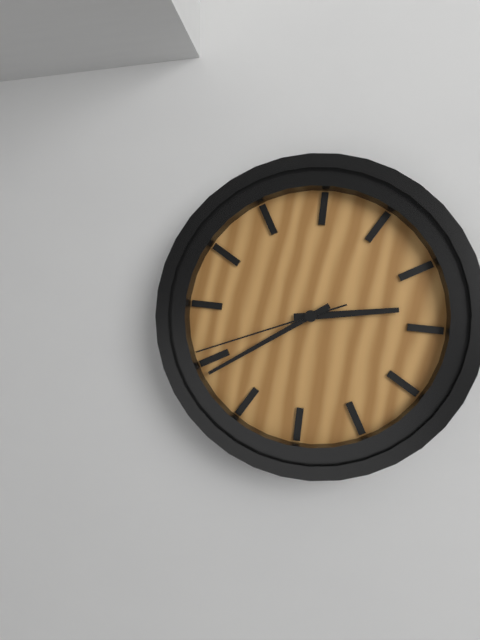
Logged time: 2 h 39 min 41 s
